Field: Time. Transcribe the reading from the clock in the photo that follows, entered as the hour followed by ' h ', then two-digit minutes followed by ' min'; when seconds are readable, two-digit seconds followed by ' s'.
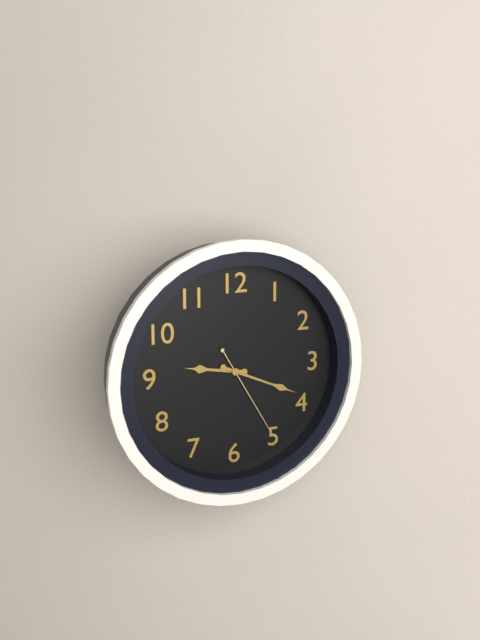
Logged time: 9 h 19 min 25 s
